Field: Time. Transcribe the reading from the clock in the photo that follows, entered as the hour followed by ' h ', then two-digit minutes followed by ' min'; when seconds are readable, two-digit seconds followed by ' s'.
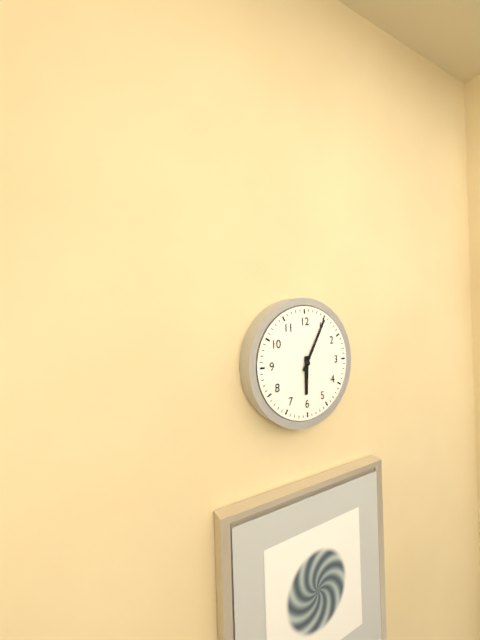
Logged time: 6 h 05 min
